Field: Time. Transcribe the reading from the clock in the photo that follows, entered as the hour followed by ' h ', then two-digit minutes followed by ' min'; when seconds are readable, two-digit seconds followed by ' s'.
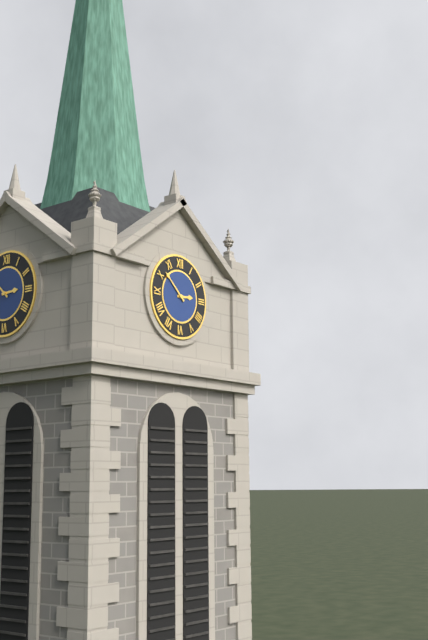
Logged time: 2 h 52 min
